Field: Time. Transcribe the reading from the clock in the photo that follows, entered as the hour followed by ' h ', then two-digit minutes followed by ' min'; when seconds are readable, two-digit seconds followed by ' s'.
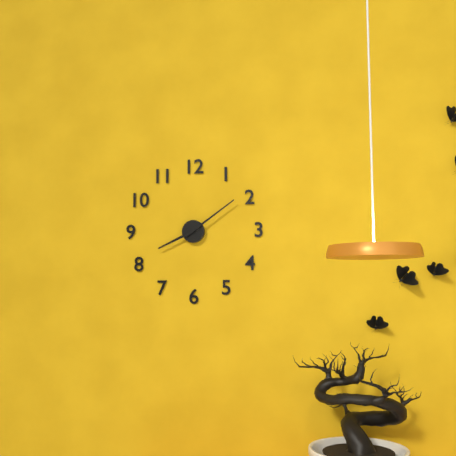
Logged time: 8 h 09 min
